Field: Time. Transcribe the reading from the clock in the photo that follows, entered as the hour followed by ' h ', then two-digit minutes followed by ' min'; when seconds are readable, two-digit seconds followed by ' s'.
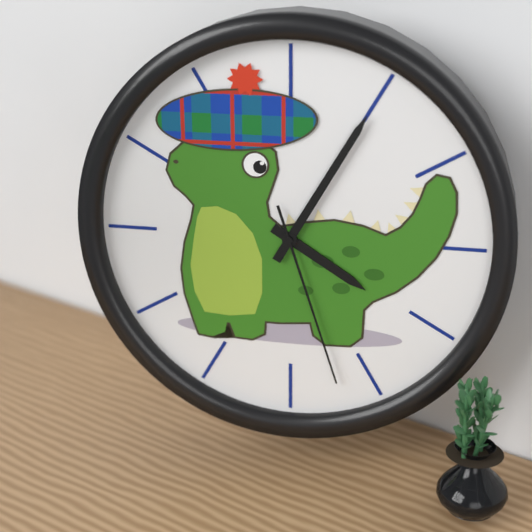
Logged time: 4 h 05 min 27 s
